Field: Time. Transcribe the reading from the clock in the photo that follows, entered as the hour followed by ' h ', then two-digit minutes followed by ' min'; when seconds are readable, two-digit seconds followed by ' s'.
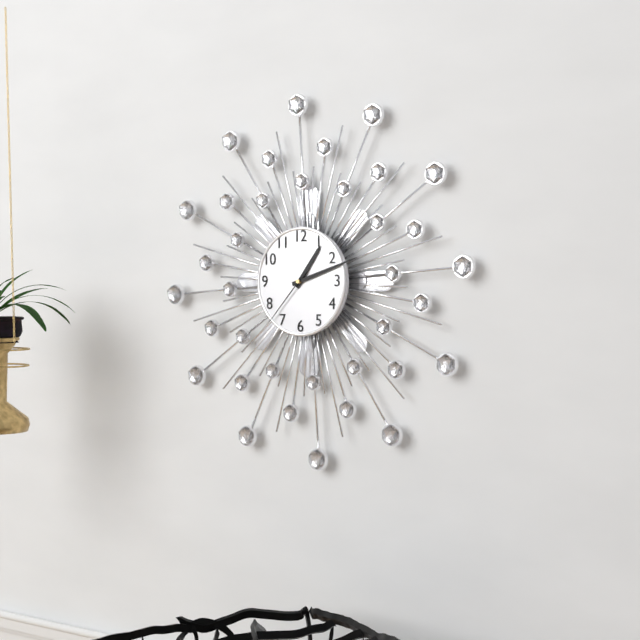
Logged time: 1 h 12 min 37 s
